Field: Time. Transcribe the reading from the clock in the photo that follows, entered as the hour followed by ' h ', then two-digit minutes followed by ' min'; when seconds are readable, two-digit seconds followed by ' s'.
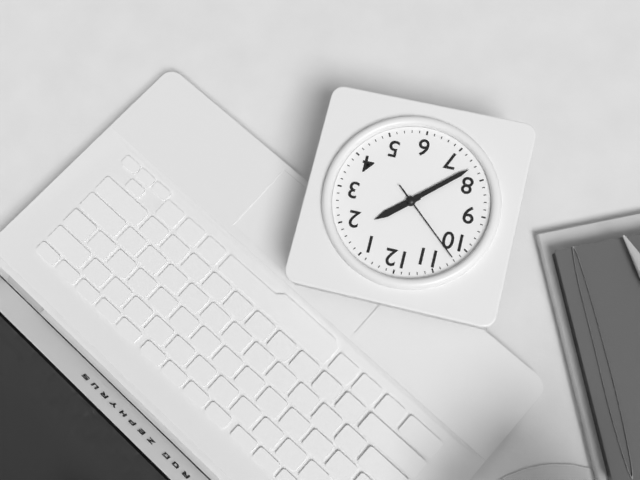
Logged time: 1 h 38 min 52 s
